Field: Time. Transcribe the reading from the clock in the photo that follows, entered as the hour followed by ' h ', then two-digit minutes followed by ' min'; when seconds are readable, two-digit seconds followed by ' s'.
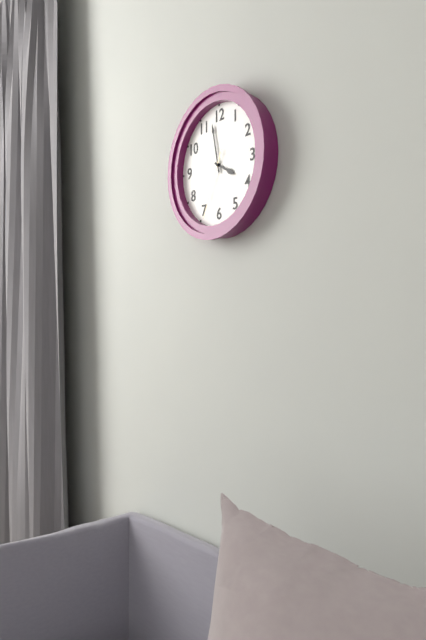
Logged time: 3 h 58 min 34 s
